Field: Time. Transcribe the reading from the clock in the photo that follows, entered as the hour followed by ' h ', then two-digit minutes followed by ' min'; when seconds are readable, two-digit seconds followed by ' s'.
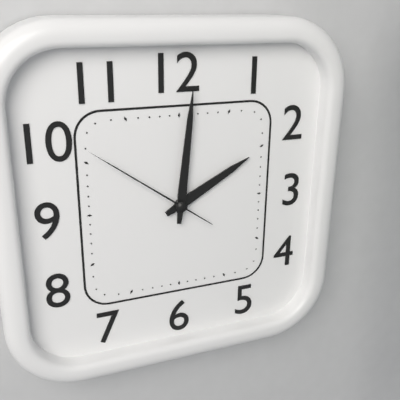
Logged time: 2 h 01 min 51 s
